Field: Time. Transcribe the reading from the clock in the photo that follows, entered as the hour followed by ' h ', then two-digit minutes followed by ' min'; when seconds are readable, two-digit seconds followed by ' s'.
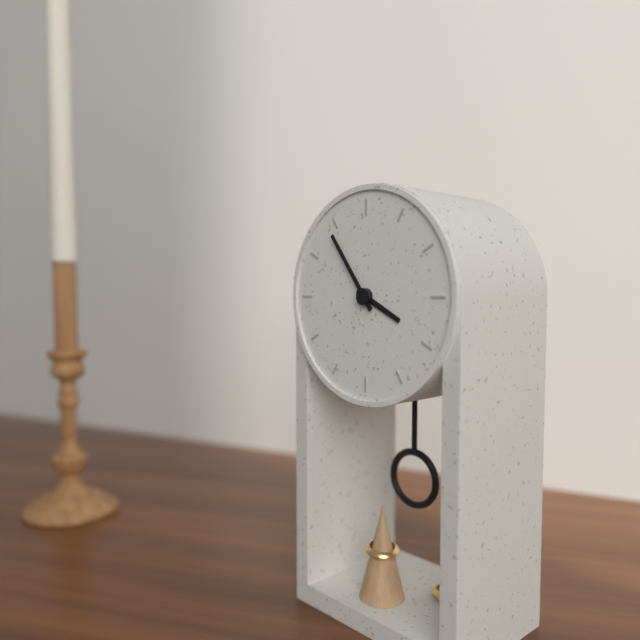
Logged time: 3 h 54 min
